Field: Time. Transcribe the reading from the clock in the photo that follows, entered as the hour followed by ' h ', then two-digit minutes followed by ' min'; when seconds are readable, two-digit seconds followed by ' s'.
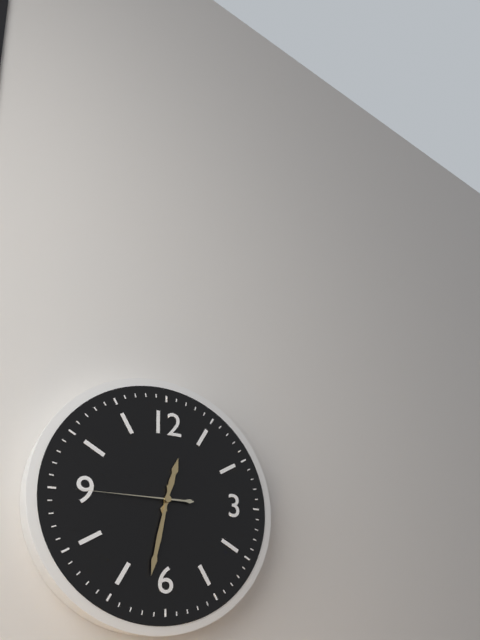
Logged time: 12 h 32 min 45 s
